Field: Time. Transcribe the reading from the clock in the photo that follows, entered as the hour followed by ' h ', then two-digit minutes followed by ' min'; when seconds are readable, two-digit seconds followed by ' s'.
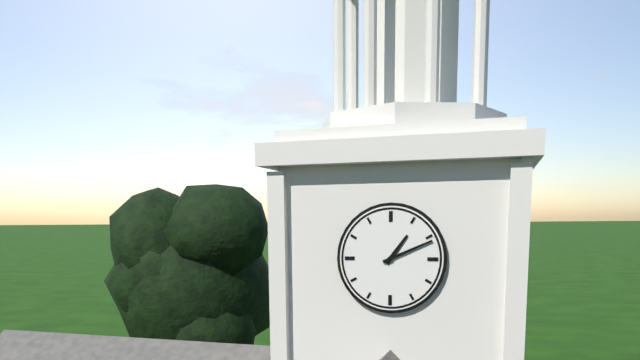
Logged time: 1 h 11 min
